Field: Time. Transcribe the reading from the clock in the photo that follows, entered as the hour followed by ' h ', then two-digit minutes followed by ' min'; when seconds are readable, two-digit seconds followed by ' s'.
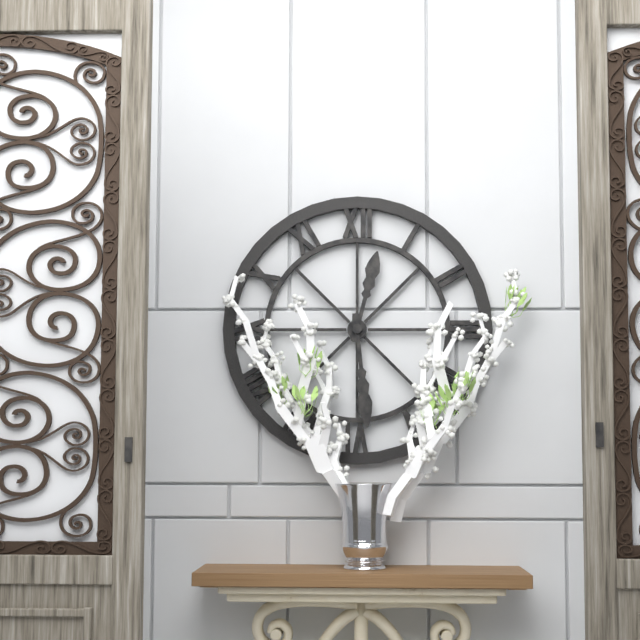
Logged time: 12 h 29 min
